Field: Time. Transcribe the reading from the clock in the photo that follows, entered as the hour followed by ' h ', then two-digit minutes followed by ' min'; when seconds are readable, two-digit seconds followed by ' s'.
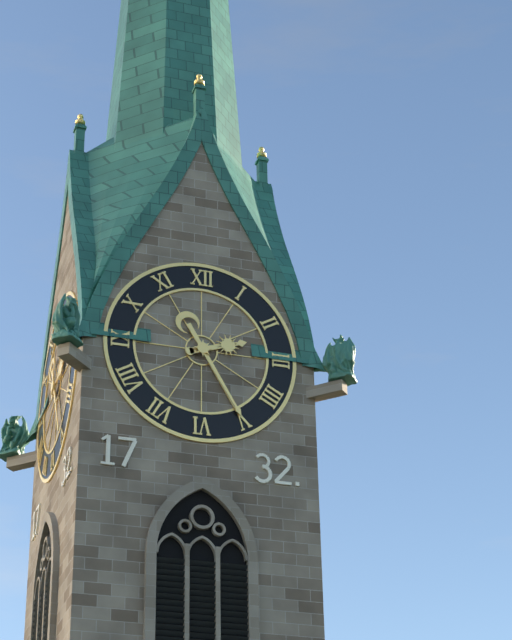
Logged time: 2 h 25 min
